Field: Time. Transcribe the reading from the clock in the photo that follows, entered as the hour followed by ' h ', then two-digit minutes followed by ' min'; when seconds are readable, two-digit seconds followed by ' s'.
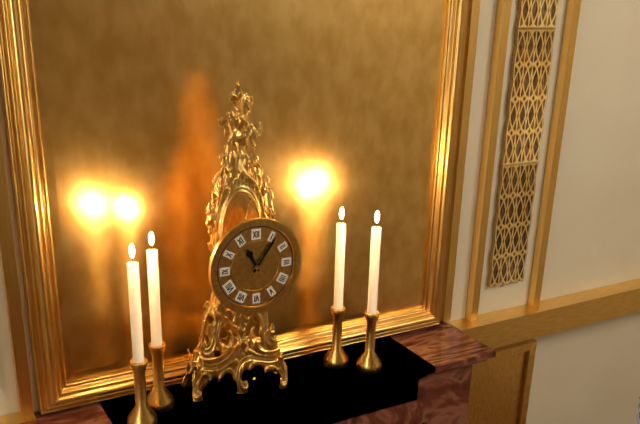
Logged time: 11 h 06 min
